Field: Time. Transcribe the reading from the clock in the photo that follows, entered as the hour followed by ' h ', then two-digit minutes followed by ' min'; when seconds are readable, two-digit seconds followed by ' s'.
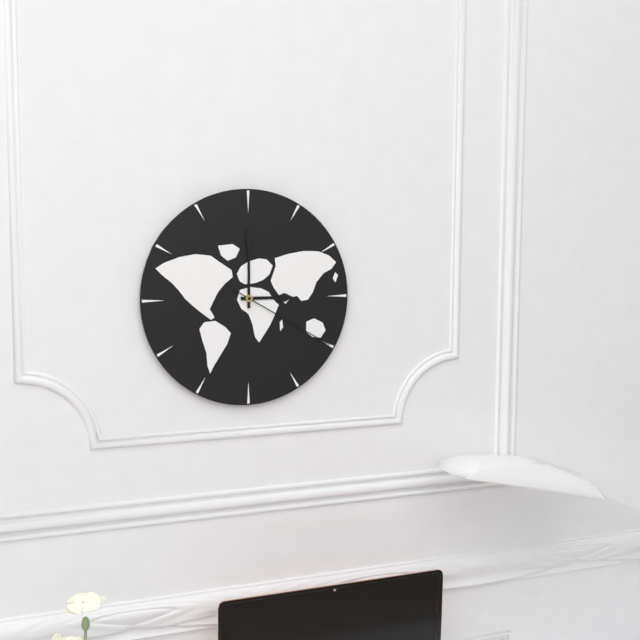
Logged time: 3 h 00 min 20 s
